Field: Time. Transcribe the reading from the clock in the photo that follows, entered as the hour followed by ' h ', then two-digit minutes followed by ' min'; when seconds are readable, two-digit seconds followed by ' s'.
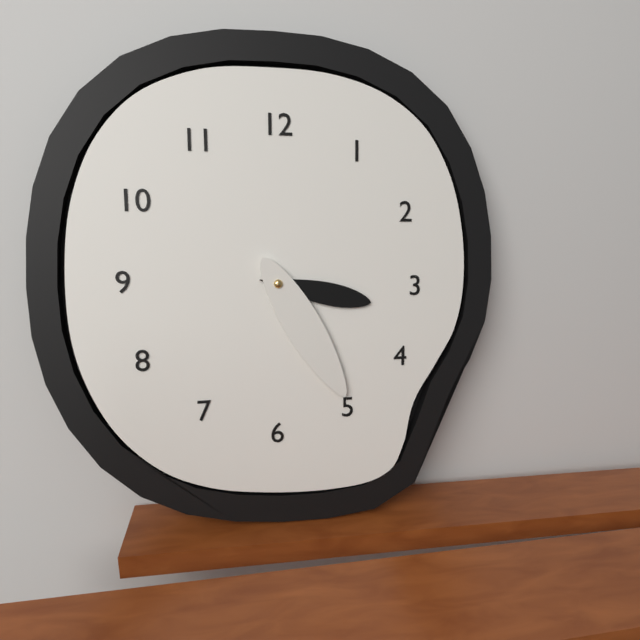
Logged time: 3 h 25 min
